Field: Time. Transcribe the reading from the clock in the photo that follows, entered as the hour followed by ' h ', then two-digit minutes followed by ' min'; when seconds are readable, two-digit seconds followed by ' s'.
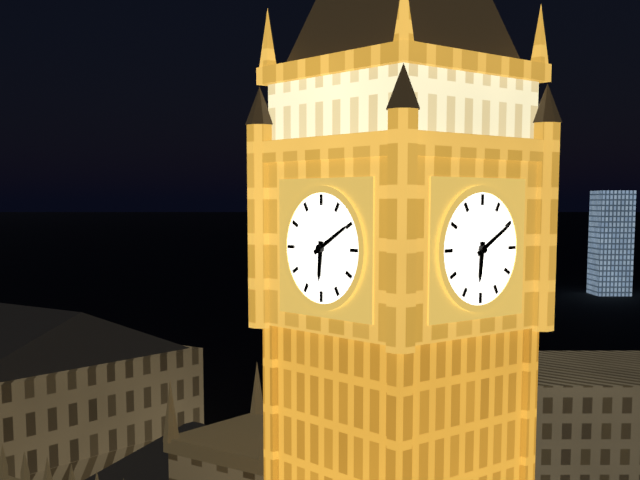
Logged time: 6 h 10 min
